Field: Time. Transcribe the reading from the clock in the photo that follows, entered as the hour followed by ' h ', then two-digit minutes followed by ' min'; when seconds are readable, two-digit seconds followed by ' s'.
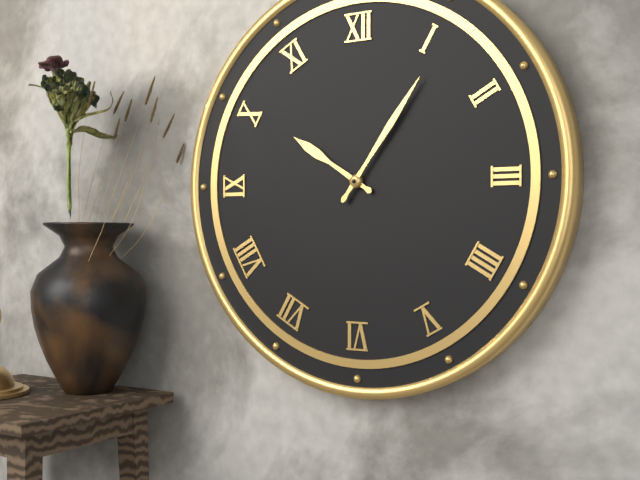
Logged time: 10 h 06 min
